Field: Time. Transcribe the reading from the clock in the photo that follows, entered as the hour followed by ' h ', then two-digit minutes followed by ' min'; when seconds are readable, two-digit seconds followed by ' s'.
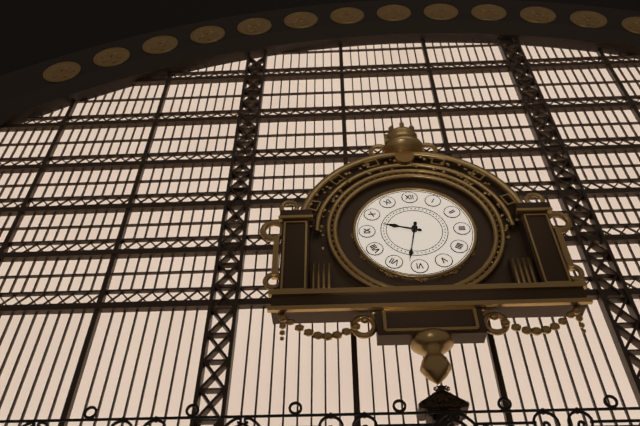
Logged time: 9 h 32 min
